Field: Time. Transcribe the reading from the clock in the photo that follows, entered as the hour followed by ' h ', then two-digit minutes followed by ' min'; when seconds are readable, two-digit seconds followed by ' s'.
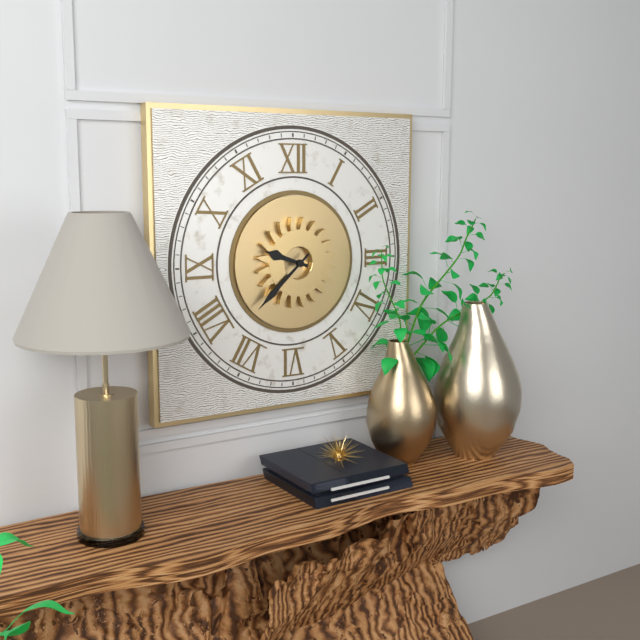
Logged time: 9 h 38 min
